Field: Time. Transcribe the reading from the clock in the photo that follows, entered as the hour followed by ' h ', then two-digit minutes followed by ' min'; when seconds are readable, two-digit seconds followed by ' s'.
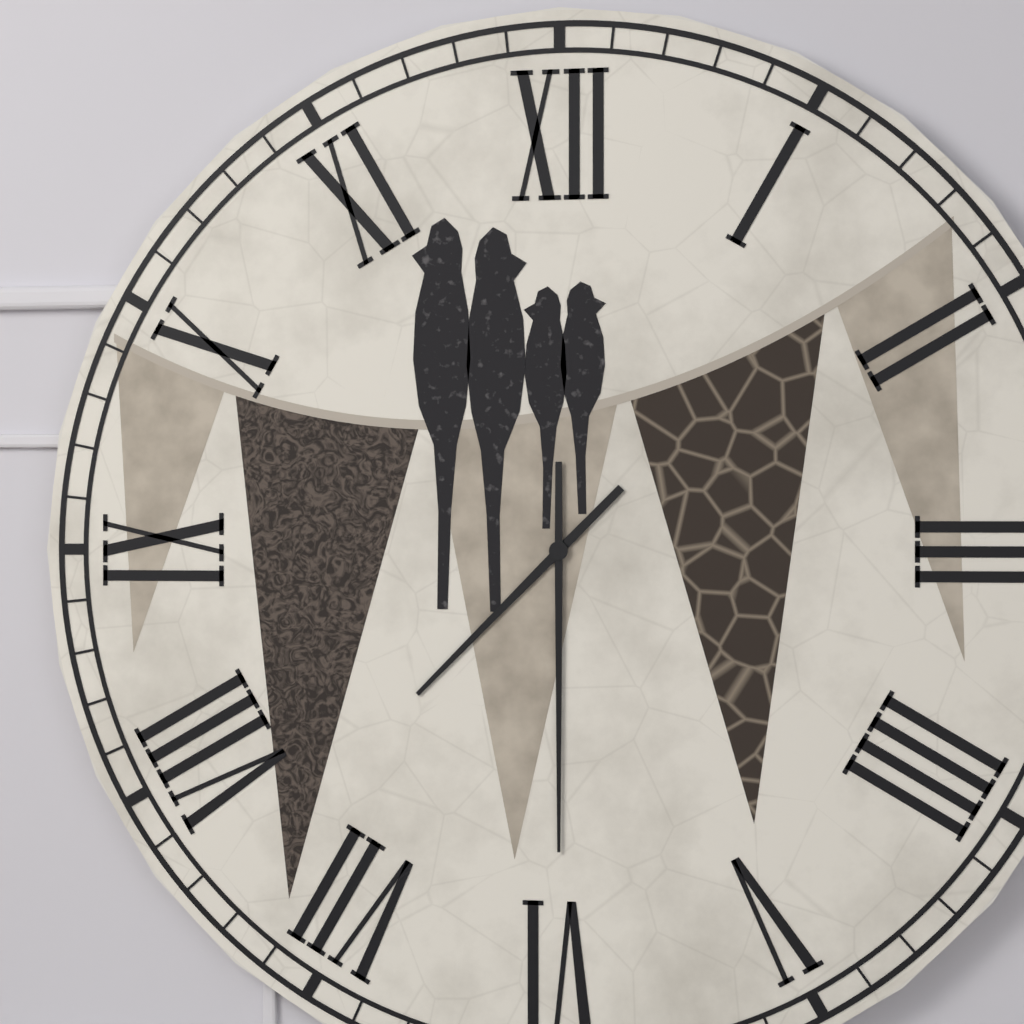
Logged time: 7 h 30 min
